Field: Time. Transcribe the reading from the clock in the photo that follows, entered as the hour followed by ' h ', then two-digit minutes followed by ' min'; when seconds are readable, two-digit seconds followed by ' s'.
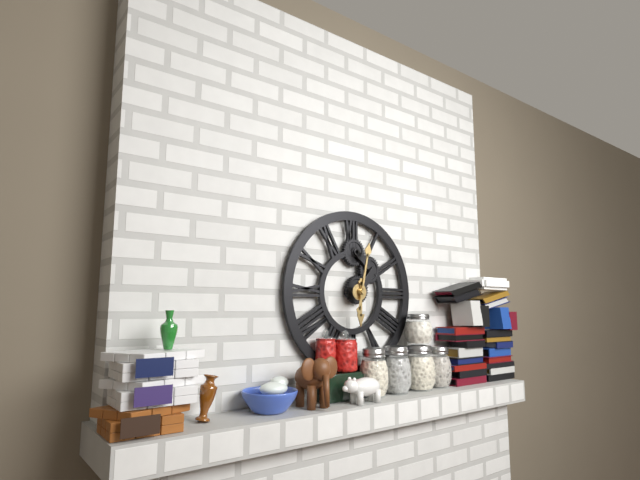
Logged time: 6 h 02 min
